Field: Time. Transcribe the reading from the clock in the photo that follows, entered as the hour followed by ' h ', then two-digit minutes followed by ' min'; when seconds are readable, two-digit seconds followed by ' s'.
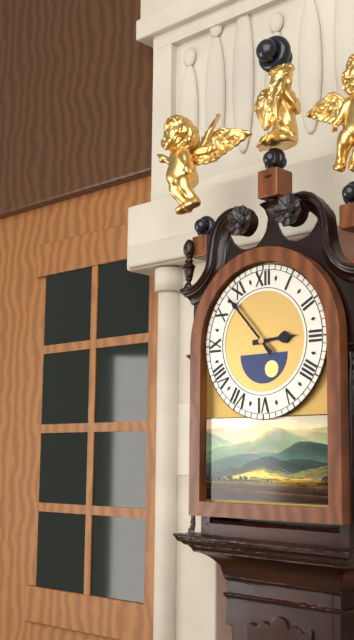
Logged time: 2 h 53 min
